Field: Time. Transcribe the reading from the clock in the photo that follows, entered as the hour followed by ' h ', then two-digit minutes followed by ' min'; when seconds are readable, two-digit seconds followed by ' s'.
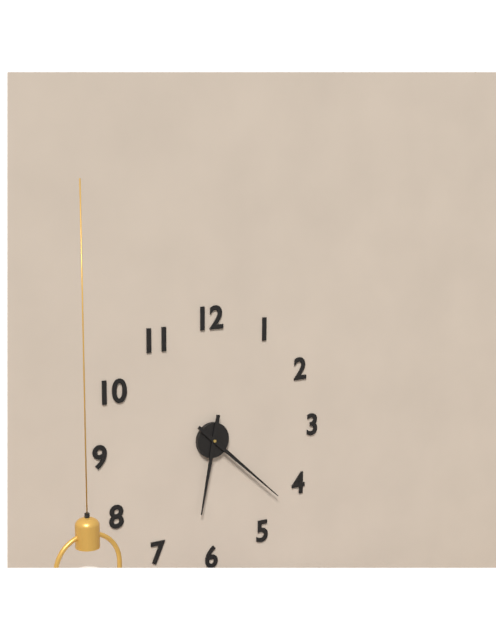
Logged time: 6 h 22 min
